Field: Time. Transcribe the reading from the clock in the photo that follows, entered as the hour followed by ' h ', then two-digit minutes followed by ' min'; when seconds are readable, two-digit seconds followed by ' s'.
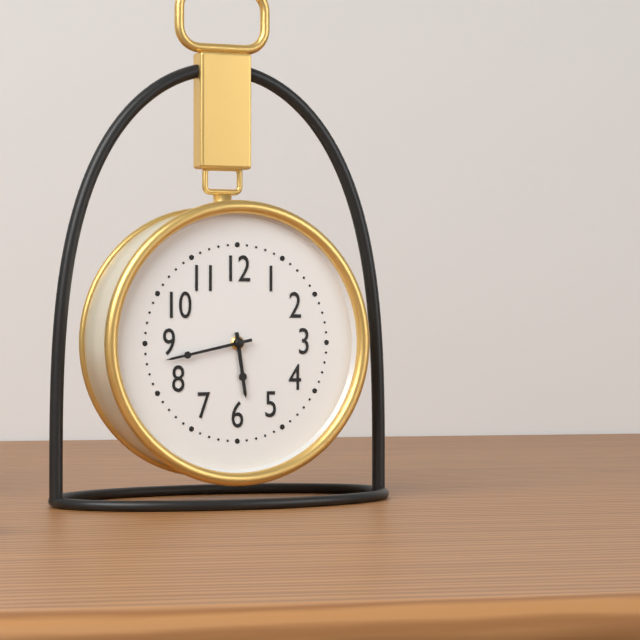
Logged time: 5 h 43 min
